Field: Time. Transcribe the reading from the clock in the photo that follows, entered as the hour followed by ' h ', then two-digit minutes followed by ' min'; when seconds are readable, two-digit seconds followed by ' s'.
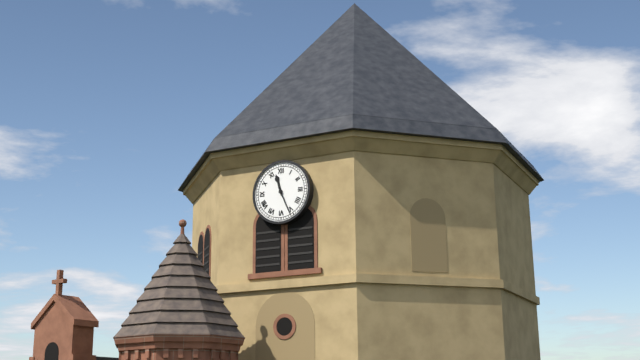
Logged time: 11 h 26 min
